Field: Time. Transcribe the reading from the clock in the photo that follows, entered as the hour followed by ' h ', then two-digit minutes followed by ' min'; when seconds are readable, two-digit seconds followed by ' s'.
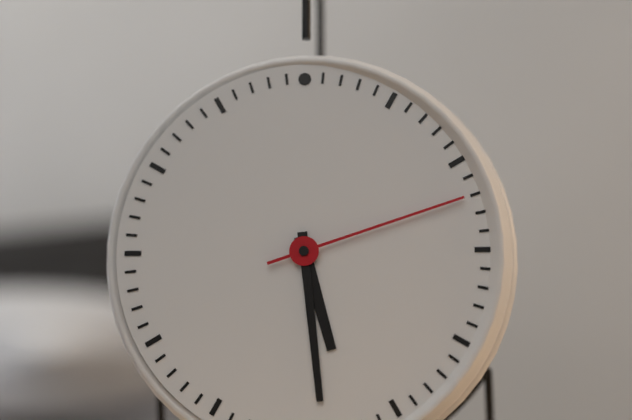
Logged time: 5 h 29 min 12 s
